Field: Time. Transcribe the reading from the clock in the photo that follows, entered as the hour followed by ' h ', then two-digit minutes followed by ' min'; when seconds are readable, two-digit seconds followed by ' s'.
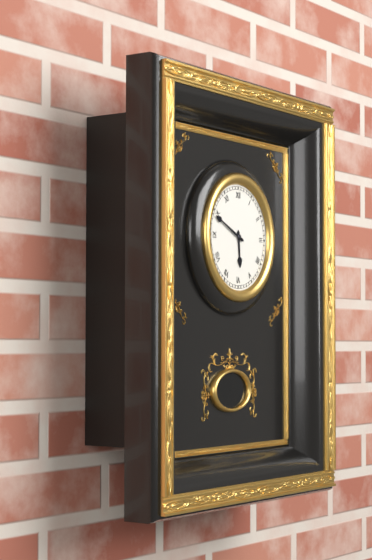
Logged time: 5 h 49 min
